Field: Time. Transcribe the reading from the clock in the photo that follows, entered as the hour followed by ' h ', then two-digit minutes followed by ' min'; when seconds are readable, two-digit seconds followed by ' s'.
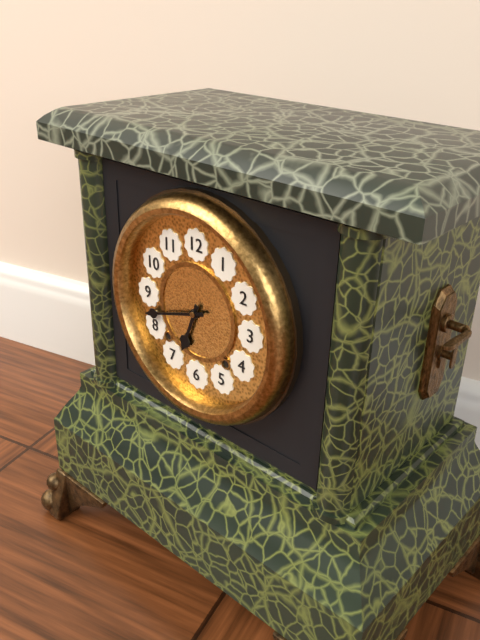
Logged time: 6 h 42 min
